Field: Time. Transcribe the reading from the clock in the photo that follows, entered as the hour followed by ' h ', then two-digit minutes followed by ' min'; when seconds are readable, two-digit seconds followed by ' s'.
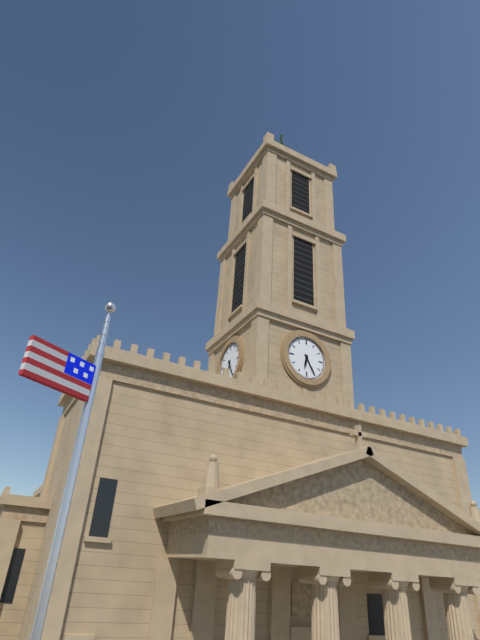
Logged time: 6 h 25 min
